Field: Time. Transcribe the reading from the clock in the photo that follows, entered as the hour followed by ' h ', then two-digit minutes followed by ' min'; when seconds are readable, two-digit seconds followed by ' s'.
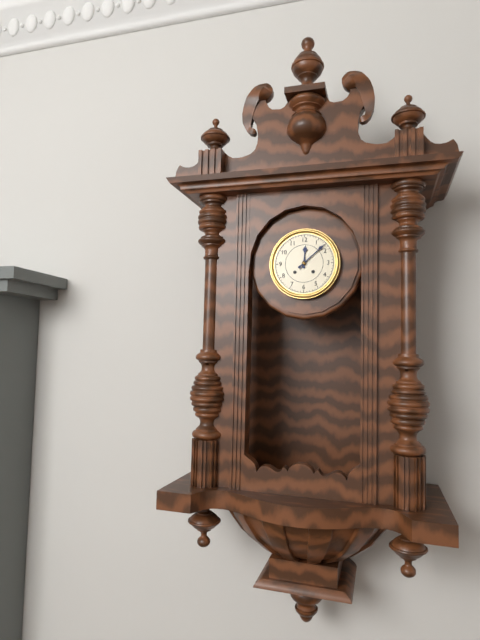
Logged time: 12 h 08 min
